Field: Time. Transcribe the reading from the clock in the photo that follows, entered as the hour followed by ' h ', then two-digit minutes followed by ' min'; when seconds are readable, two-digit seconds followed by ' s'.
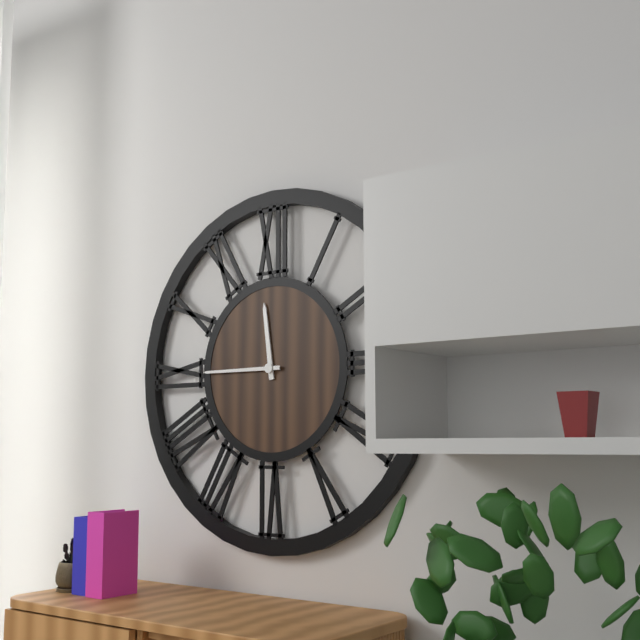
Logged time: 11 h 45 min
